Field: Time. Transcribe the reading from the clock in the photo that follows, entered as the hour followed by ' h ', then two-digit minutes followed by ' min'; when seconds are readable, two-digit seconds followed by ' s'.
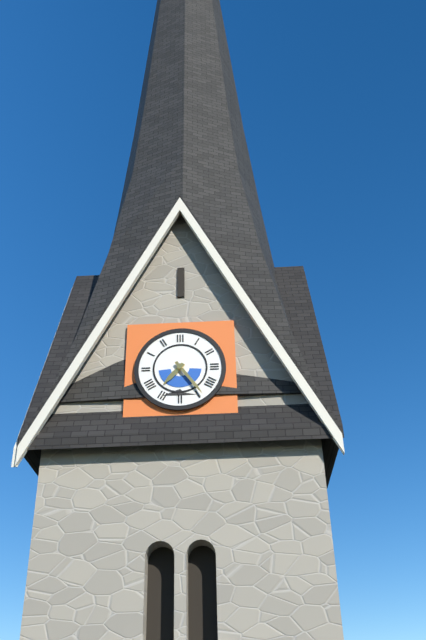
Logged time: 7 h 24 min
